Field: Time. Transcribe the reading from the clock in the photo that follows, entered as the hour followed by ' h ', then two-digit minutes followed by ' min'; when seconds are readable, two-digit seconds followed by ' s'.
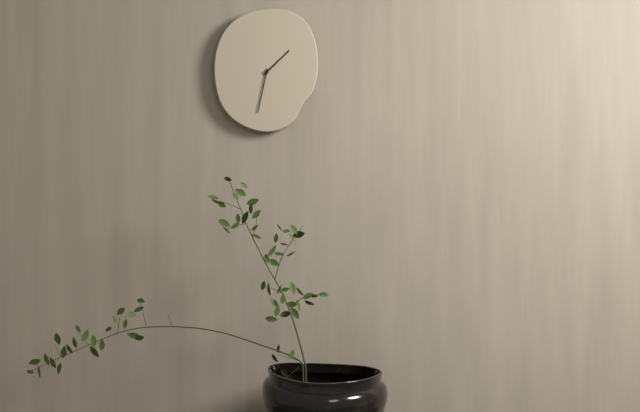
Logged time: 1 h 32 min
